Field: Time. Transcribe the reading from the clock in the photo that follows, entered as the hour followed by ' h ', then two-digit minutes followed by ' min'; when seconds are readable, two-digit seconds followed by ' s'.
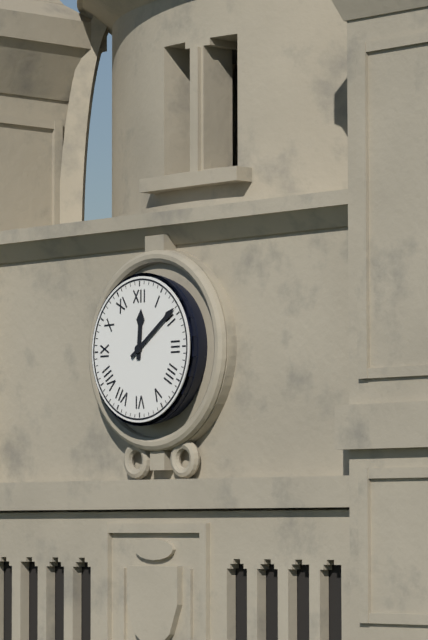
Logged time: 12 h 09 min
